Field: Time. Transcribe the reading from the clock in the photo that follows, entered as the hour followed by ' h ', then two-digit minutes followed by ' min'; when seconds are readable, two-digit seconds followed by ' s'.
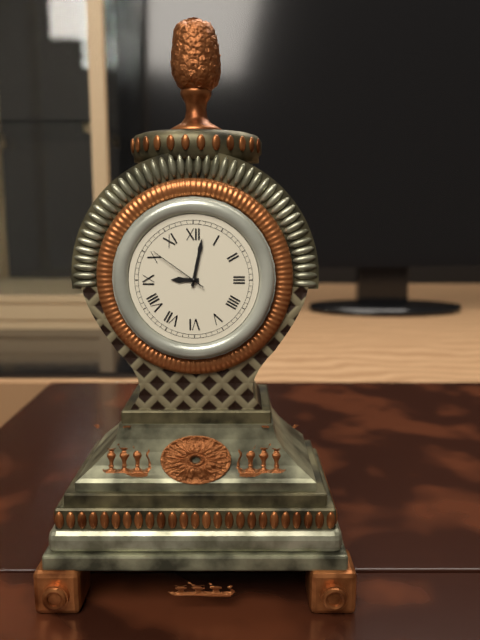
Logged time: 9 h 02 min 51 s
